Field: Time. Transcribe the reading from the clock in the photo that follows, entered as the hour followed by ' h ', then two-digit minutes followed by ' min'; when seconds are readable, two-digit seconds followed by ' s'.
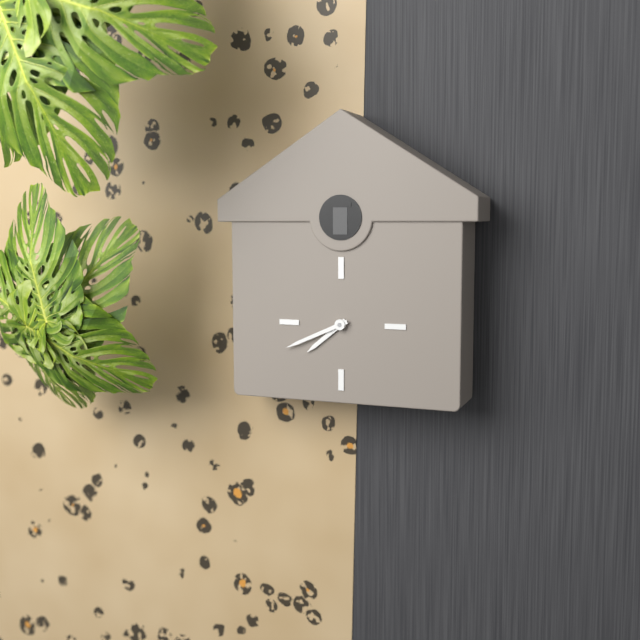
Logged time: 7 h 41 min
